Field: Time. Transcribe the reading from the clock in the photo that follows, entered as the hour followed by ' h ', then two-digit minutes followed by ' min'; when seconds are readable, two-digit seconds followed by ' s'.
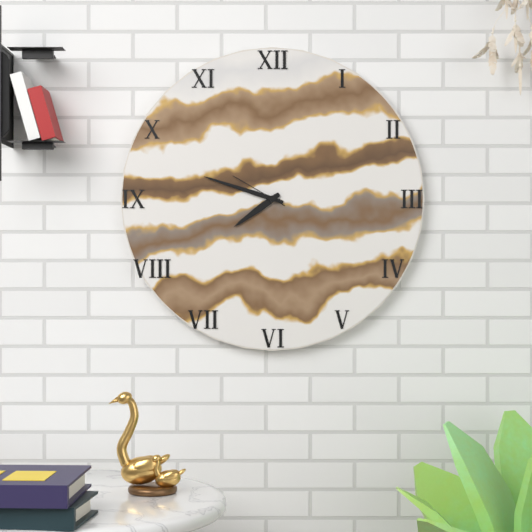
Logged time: 7 h 48 min 50 s
